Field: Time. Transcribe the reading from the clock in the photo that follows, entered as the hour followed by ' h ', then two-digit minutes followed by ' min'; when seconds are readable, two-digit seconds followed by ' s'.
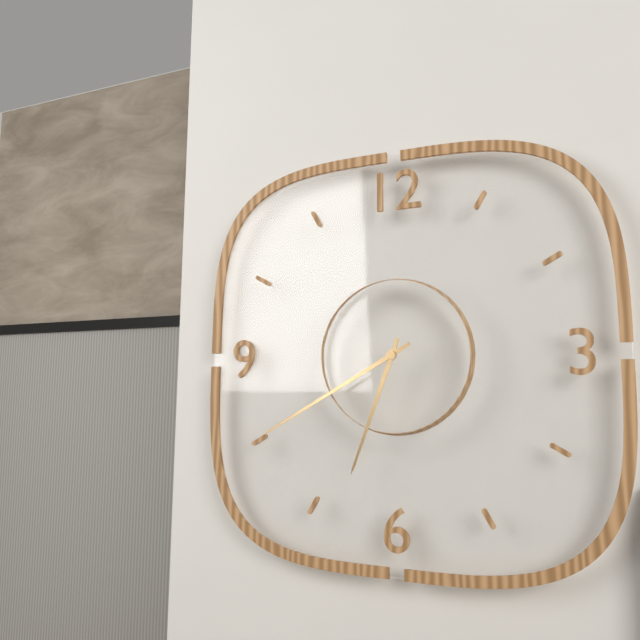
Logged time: 6 h 40 min
